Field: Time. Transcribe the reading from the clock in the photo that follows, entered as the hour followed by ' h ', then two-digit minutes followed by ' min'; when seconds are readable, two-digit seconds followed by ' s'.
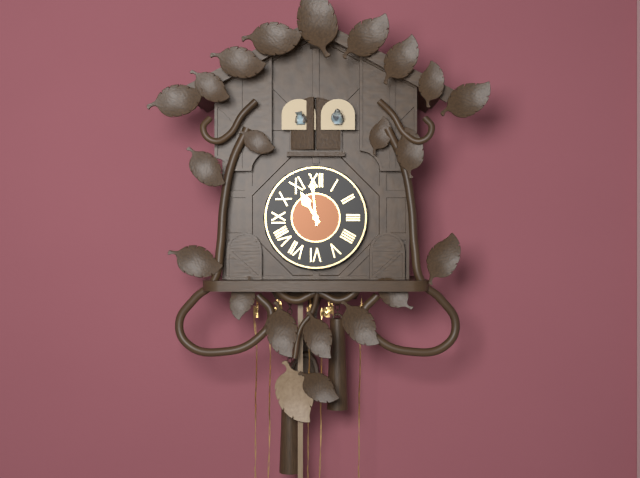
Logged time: 10 h 59 min
